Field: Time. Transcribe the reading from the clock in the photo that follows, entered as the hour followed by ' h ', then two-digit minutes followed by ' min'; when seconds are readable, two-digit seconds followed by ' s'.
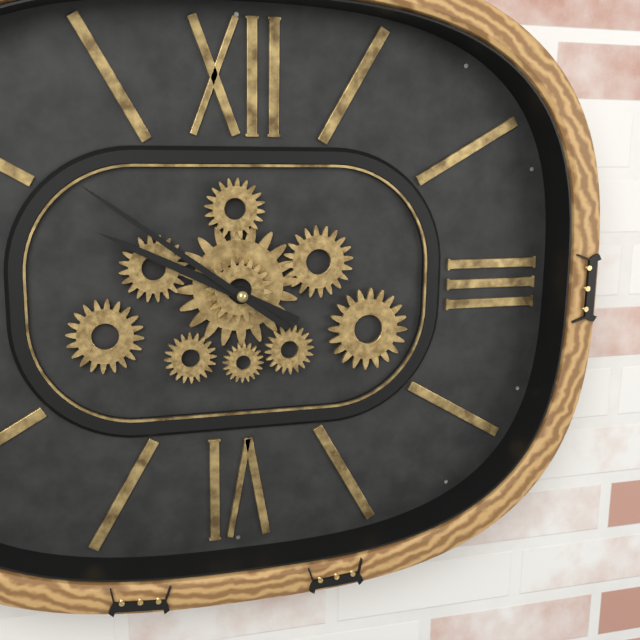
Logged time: 9 h 51 min
